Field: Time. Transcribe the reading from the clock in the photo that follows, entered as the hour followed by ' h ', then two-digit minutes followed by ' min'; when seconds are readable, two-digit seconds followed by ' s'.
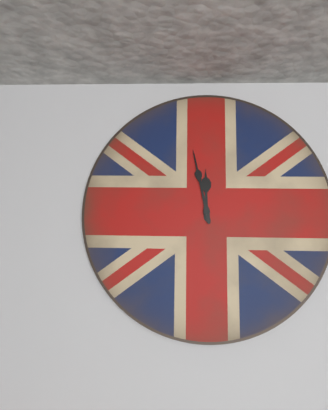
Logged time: 11 h 58 min
